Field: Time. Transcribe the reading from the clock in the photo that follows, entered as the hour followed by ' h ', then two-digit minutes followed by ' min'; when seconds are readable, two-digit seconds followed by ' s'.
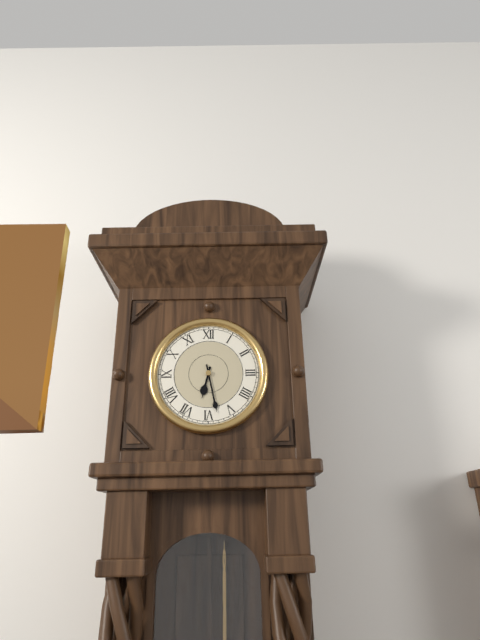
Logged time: 6 h 28 min
